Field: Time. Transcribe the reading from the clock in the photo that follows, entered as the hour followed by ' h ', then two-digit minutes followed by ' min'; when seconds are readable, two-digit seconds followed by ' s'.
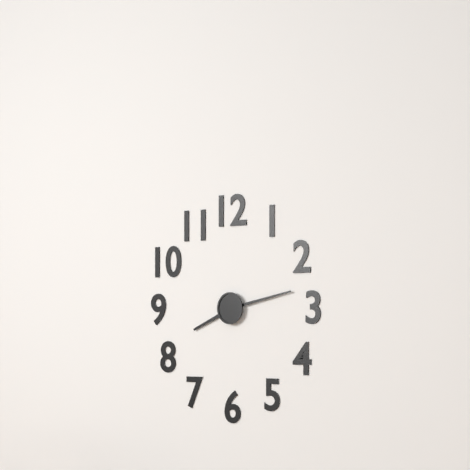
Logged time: 8 h 13 min
